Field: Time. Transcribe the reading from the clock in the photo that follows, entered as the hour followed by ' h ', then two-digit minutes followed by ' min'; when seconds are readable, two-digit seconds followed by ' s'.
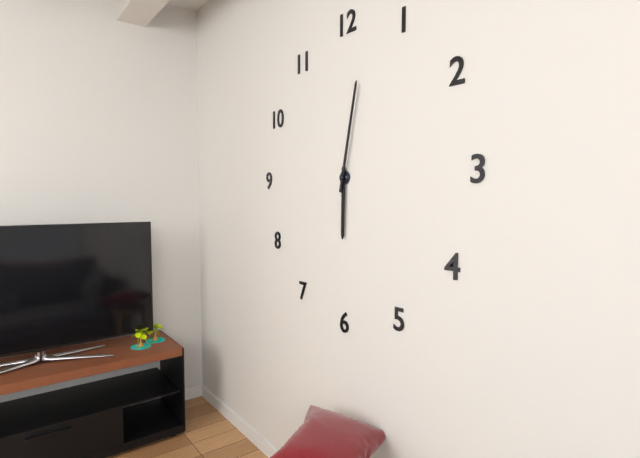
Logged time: 6 h 02 min
